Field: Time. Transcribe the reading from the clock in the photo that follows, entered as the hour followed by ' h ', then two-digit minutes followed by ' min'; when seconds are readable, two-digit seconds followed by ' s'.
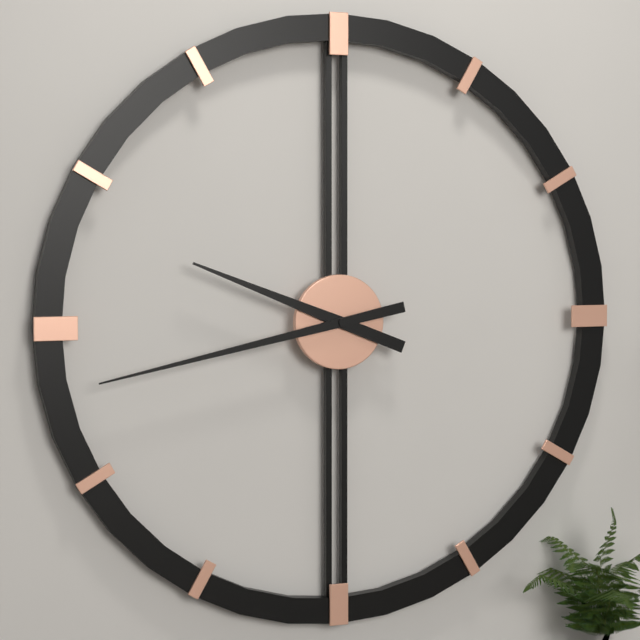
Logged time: 9 h 43 min
